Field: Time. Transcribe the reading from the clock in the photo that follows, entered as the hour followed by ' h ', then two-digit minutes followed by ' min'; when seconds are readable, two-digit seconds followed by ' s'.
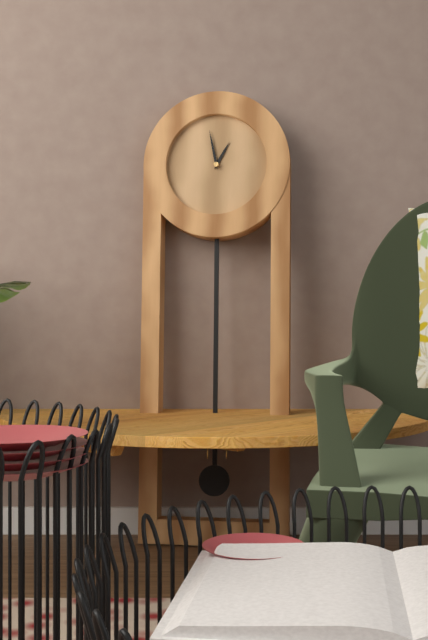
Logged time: 12 h 58 min
